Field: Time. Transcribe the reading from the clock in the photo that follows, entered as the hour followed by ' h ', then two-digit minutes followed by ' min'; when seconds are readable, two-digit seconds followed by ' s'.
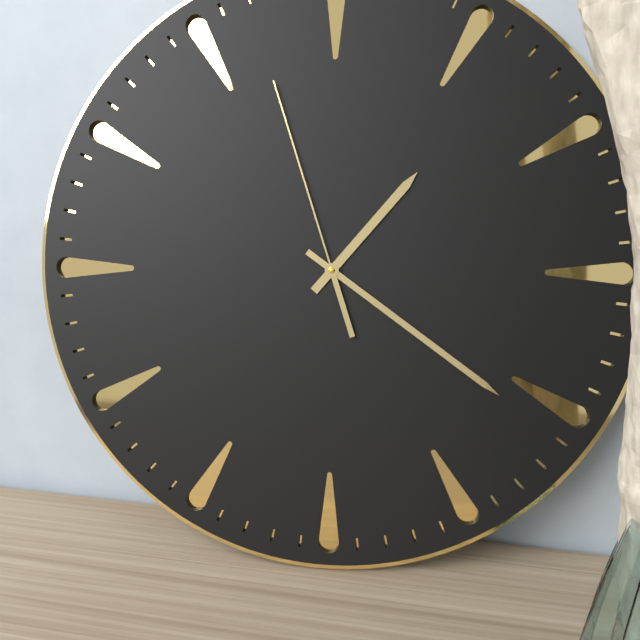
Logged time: 1 h 21 min 57 s
